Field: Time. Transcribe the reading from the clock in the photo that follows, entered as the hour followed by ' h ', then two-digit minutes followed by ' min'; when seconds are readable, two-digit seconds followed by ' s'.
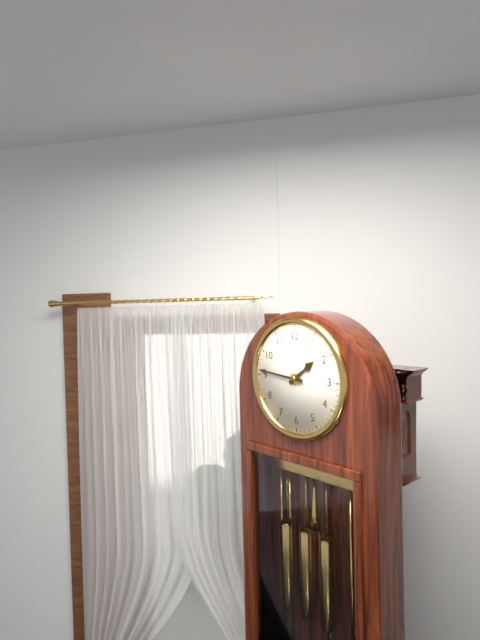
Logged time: 1 h 46 min
